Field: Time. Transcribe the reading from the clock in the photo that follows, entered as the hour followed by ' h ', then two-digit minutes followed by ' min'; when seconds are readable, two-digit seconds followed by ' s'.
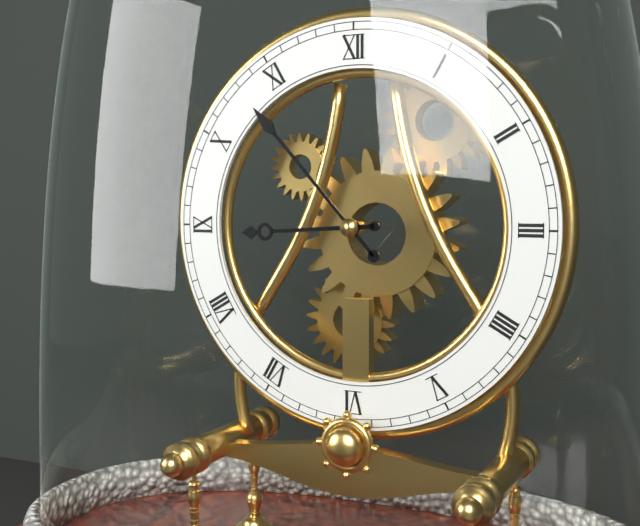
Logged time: 8 h 53 min
